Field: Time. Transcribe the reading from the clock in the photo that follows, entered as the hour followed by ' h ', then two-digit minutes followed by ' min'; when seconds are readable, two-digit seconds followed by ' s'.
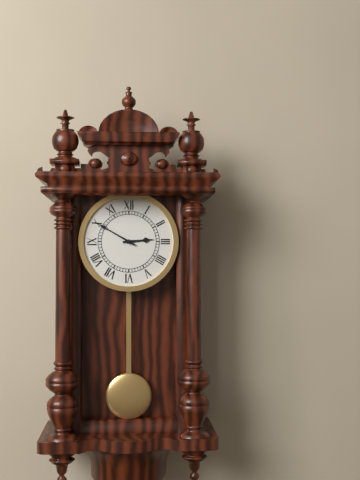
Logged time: 2 h 50 min
